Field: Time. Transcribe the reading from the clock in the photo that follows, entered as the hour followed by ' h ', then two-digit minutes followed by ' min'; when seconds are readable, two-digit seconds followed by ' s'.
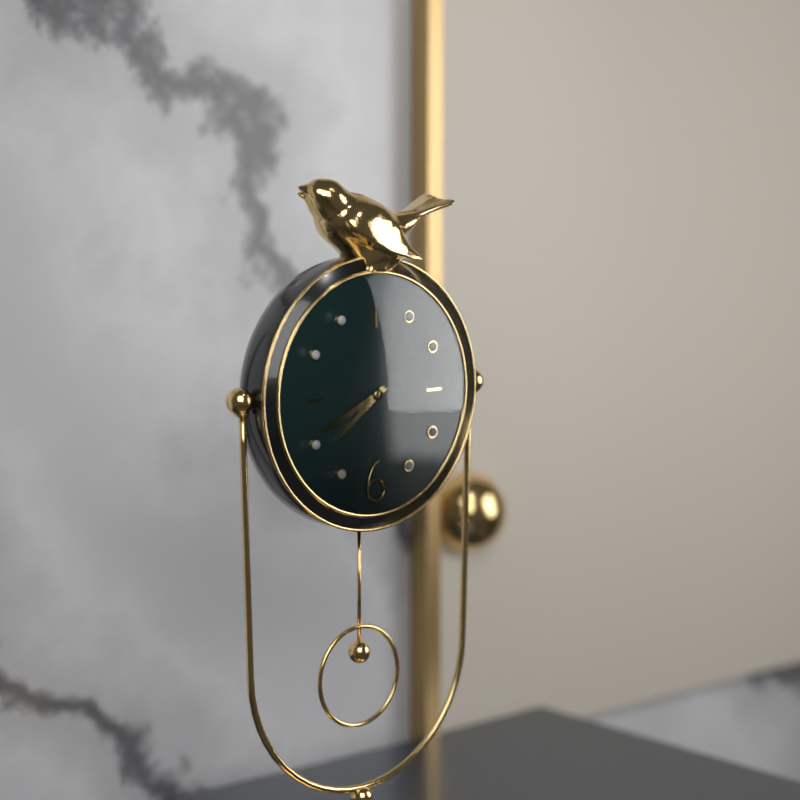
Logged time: 7 h 41 min
